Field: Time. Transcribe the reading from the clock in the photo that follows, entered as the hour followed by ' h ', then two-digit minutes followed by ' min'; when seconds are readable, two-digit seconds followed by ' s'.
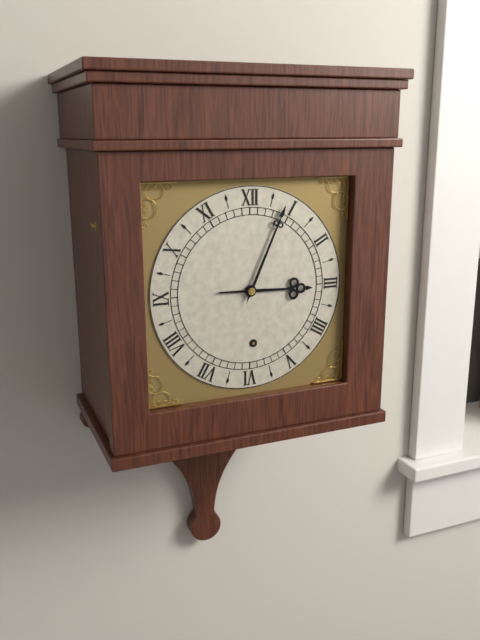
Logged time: 3 h 04 min
